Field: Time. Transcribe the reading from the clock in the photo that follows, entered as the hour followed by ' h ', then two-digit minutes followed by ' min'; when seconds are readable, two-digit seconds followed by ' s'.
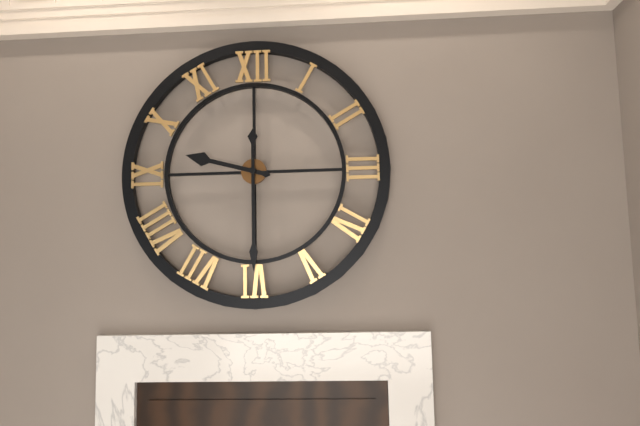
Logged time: 9 h 30 min
